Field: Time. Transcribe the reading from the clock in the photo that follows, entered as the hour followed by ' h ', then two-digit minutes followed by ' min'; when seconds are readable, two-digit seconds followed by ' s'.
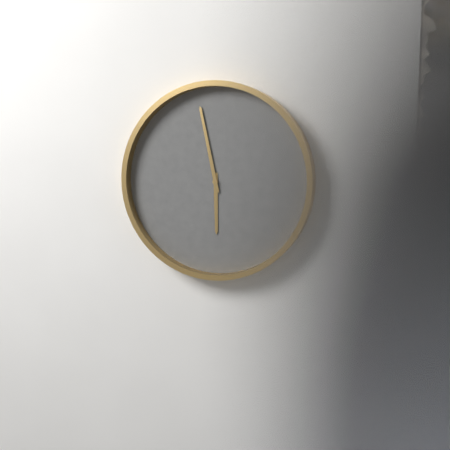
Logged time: 5 h 58 min
